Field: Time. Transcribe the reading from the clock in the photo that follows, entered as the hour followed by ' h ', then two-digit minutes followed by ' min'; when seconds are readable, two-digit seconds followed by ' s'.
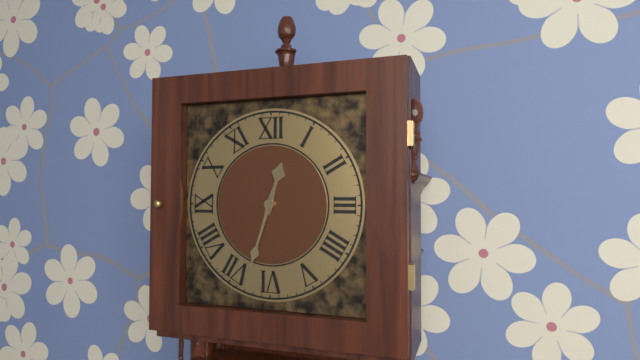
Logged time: 12 h 33 min
